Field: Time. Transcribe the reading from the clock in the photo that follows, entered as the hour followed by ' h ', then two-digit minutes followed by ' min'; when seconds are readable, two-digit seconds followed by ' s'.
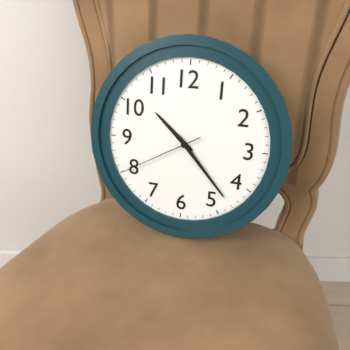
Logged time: 10 h 23 min 40 s
